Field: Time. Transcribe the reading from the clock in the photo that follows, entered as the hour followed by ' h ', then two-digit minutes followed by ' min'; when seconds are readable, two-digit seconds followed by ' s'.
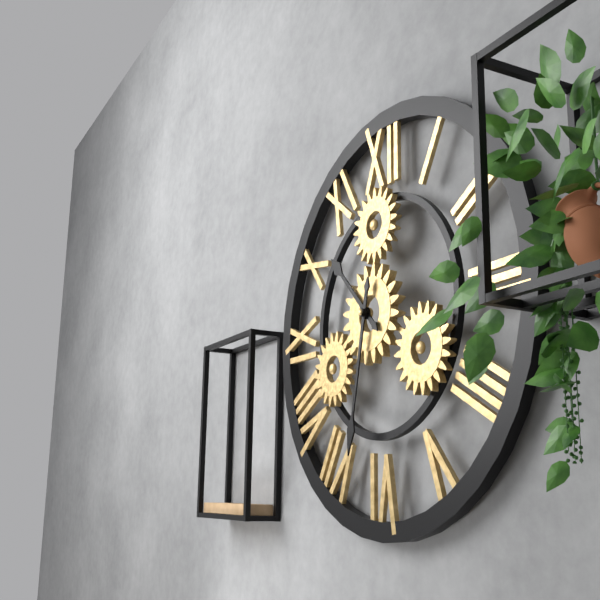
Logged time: 10 h 32 min
